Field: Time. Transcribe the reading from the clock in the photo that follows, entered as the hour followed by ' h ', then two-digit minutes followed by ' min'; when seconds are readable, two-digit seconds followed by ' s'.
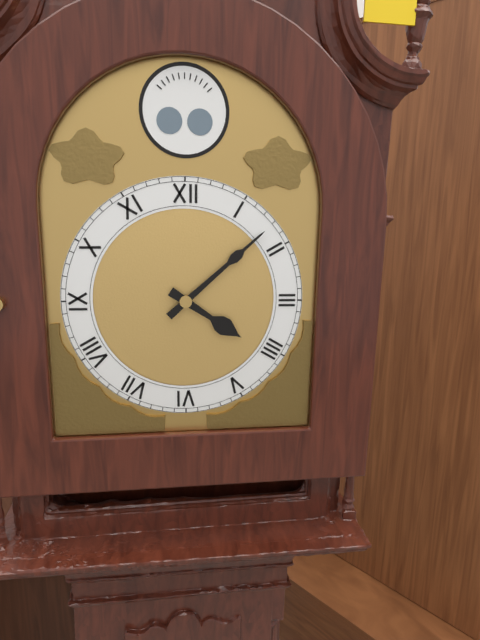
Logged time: 4 h 08 min
